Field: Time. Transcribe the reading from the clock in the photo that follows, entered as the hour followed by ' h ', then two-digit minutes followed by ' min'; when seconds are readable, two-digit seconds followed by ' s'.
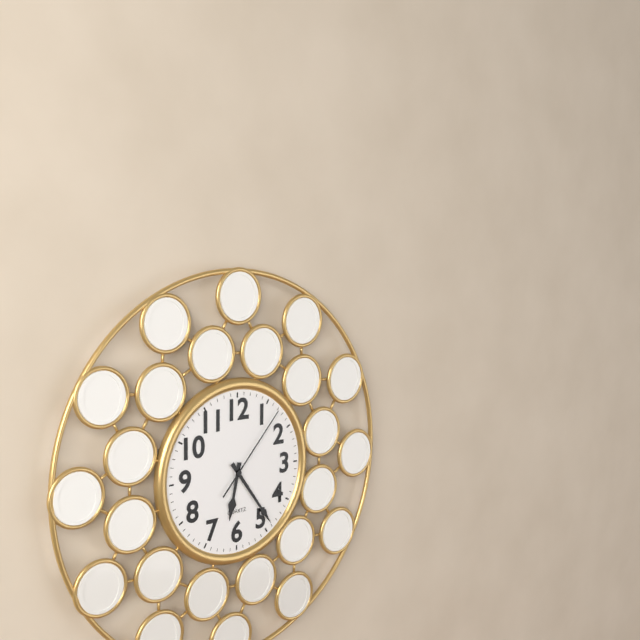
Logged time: 6 h 24 min 07 s
